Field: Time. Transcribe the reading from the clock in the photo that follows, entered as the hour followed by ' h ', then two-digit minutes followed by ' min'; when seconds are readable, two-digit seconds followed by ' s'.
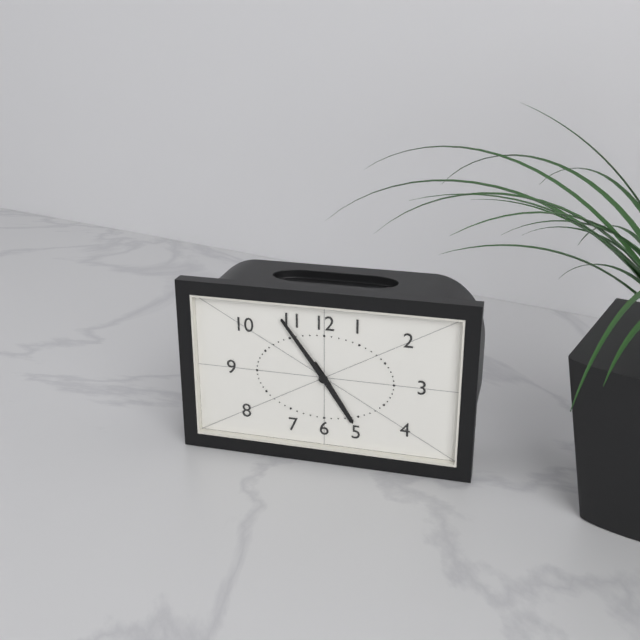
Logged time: 4 h 54 min
